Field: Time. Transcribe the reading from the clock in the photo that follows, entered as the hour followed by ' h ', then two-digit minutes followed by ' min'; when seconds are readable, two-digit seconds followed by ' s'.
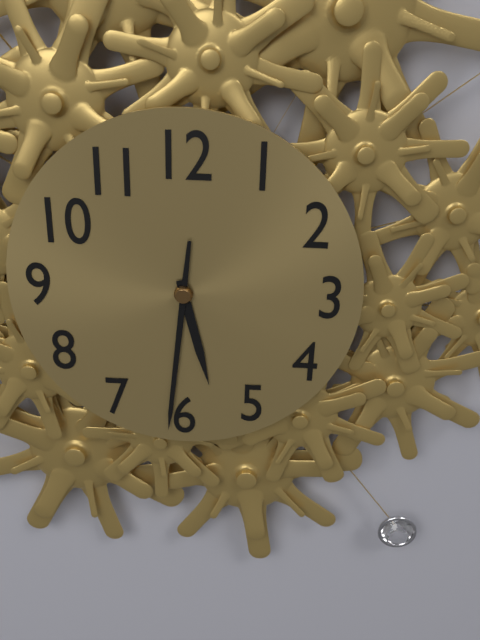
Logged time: 5 h 31 min
